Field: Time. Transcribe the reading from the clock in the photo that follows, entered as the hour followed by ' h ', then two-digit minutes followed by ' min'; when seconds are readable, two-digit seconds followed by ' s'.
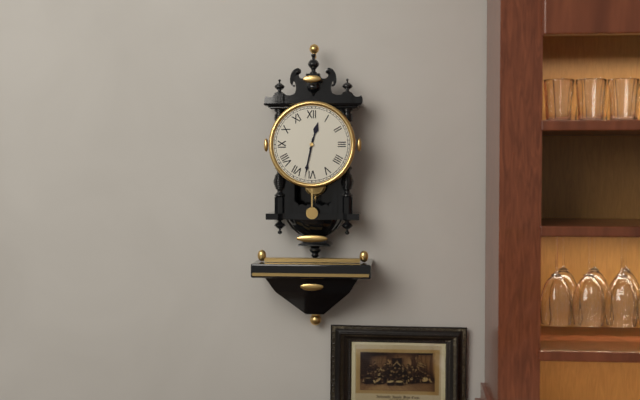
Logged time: 12 h 32 min
